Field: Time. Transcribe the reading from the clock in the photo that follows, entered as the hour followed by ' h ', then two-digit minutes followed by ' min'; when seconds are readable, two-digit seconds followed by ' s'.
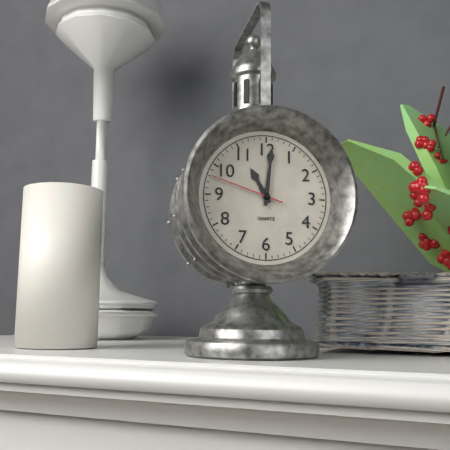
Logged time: 11 h 01 min 48 s
